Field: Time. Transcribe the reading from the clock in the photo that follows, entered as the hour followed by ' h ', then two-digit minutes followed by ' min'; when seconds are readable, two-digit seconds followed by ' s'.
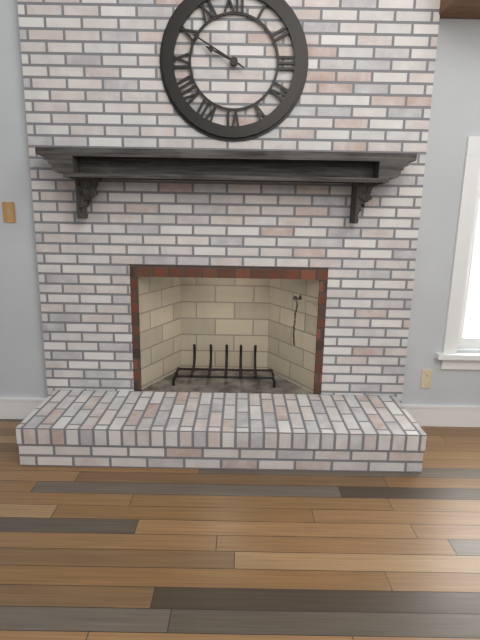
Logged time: 9 h 50 min
